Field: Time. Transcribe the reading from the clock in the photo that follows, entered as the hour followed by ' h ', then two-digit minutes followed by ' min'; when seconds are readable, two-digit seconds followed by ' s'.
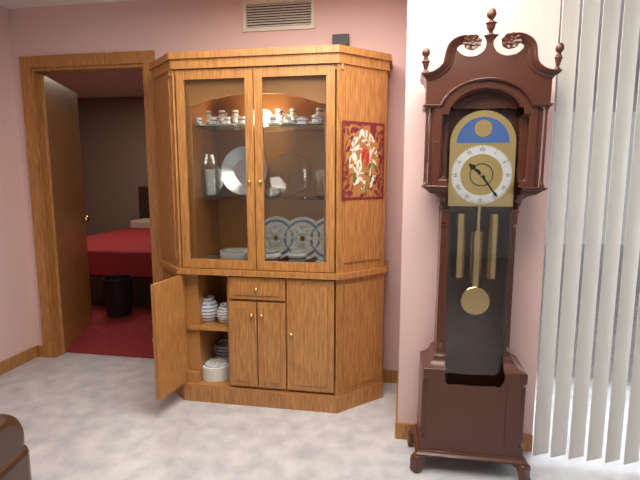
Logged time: 10 h 24 min
